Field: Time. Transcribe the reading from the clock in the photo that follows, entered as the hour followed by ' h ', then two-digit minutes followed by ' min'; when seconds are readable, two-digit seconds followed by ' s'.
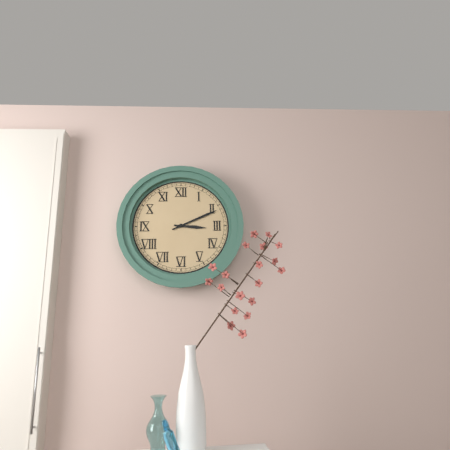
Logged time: 3 h 11 min
